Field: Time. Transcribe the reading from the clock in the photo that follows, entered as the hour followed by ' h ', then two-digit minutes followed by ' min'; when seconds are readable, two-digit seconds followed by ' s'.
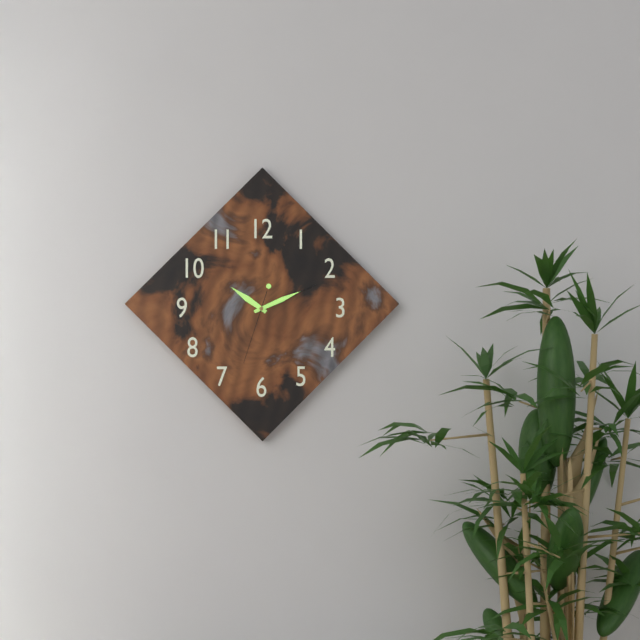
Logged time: 10 h 11 min 33 s
